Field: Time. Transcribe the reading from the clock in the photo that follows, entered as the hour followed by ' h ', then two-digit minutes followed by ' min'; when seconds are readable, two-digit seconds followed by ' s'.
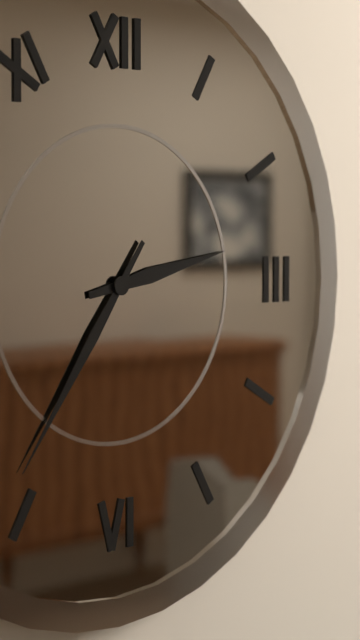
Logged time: 2 h 36 min
